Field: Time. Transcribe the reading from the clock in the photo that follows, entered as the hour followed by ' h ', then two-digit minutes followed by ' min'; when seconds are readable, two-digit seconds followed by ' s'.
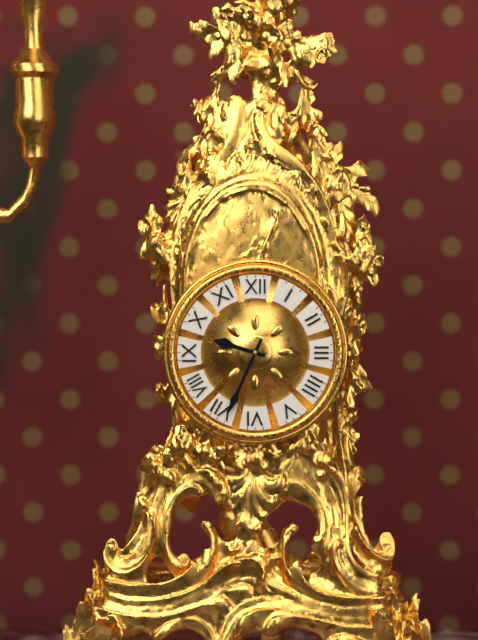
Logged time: 9 h 34 min
